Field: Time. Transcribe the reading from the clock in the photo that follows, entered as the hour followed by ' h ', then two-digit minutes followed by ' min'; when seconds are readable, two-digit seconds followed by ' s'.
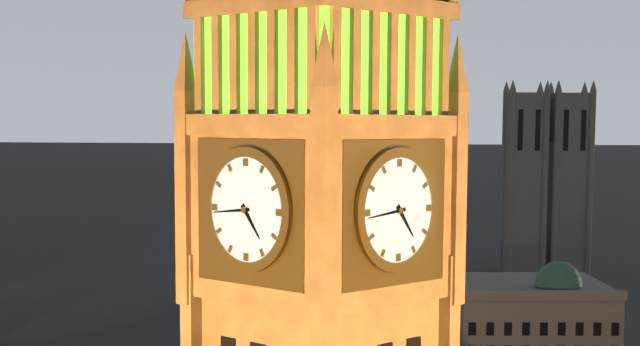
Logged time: 4 h 44 min
